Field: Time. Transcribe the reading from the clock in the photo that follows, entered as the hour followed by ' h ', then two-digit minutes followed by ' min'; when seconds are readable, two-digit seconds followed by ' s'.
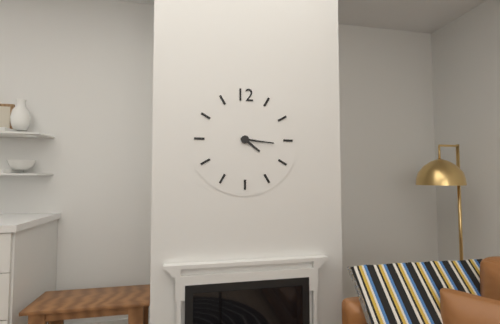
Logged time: 4 h 16 min
